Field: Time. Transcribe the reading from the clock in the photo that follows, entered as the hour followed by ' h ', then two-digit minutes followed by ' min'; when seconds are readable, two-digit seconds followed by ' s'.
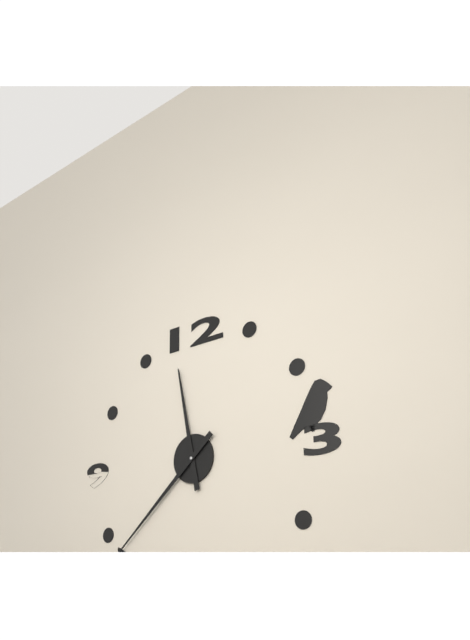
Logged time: 11 h 38 min
